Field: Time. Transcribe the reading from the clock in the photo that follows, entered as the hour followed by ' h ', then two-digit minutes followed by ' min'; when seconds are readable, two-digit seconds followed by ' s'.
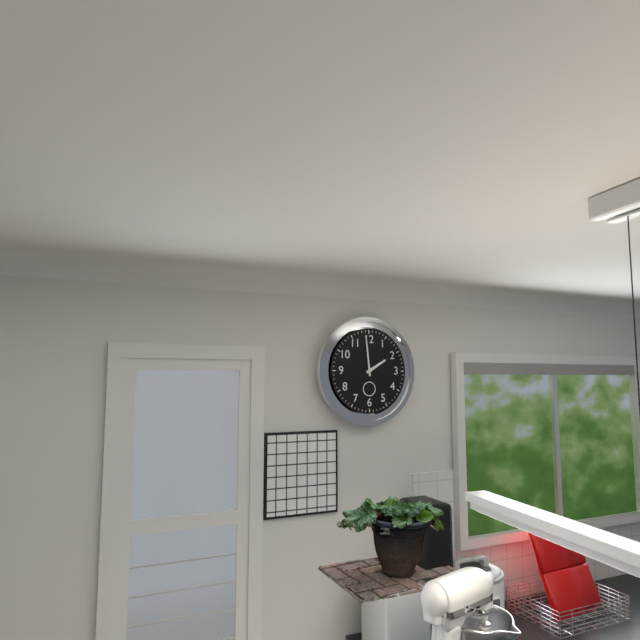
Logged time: 1 h 59 min
